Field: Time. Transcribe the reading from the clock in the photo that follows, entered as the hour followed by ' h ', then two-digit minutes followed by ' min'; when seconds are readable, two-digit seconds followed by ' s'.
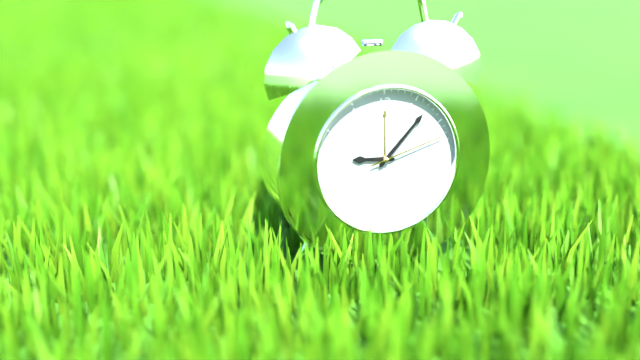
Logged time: 9 h 07 min 12 s
